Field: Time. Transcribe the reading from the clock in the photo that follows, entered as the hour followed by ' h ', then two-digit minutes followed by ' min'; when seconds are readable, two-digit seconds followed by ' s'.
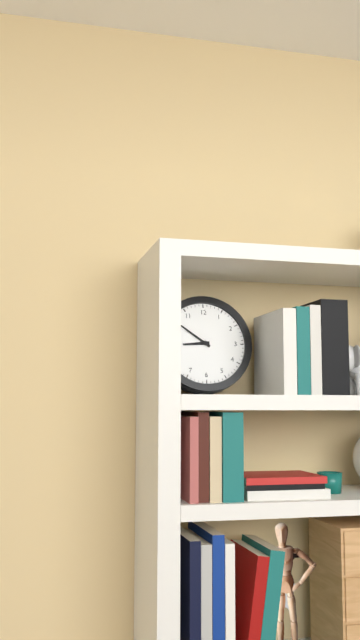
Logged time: 8 h 51 min
